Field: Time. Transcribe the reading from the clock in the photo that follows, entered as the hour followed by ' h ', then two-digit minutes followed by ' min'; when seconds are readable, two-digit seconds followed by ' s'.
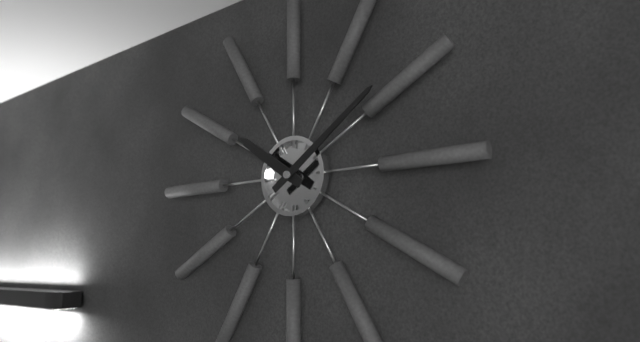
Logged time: 10 h 09 min
